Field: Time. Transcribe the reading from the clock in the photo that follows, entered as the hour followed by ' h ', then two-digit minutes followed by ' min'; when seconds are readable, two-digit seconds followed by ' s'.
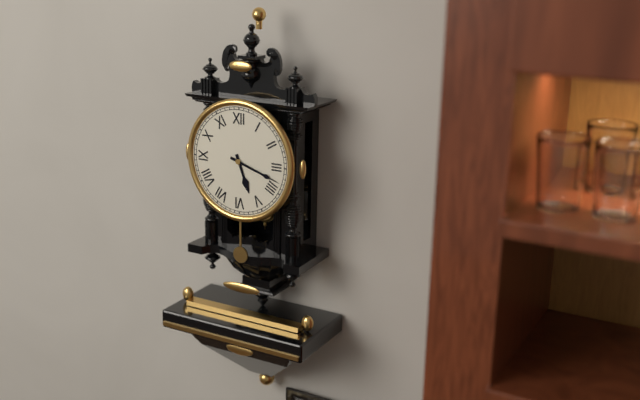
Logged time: 5 h 18 min
